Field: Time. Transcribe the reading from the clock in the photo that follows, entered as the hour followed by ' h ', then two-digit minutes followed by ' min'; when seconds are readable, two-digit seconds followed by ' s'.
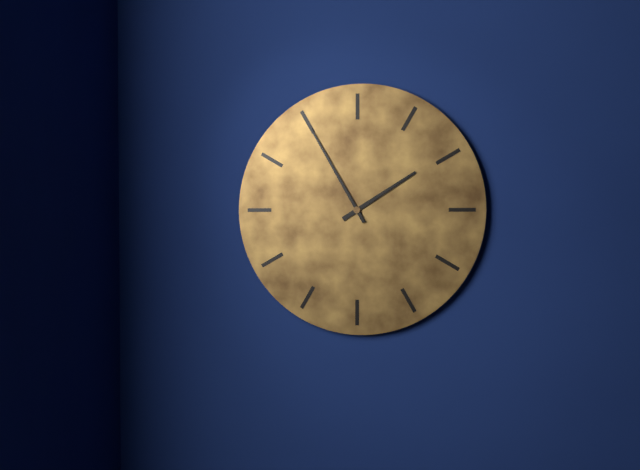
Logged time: 1 h 55 min
